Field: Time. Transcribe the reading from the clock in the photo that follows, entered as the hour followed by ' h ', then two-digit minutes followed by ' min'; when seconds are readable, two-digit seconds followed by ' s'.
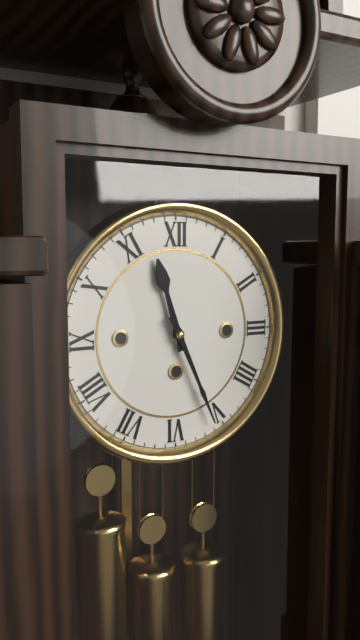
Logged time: 11 h 26 min
